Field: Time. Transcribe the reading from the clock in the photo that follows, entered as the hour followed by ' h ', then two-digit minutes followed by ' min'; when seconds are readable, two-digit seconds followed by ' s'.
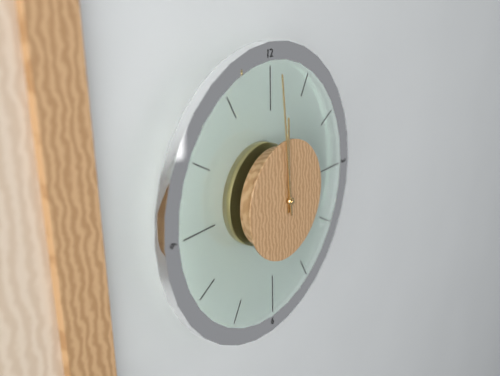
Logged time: 11 h 59 min
